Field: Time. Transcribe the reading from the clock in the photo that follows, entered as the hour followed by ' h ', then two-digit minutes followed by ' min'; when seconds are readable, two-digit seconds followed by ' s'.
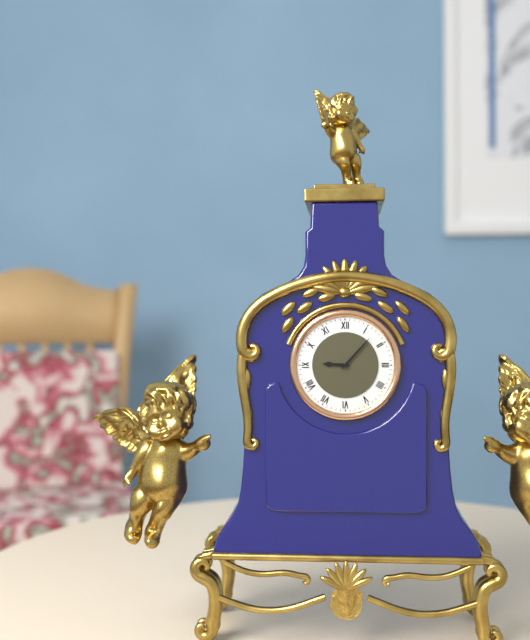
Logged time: 9 h 07 min
